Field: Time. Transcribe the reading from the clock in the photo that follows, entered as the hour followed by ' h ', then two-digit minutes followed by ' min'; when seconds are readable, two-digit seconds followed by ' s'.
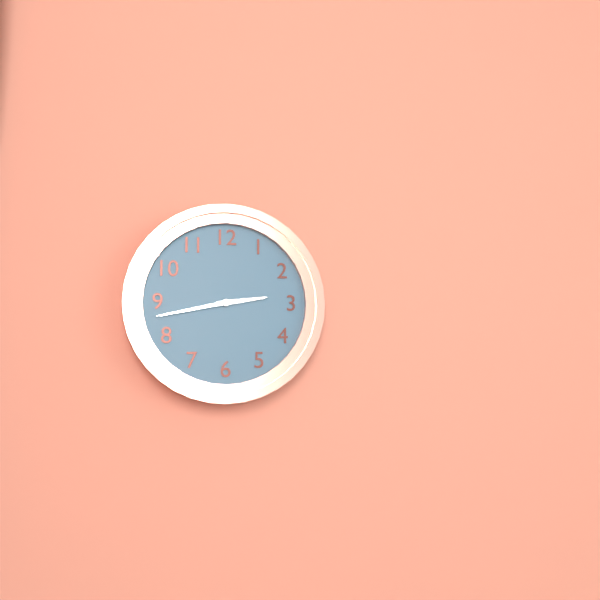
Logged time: 2 h 43 min
